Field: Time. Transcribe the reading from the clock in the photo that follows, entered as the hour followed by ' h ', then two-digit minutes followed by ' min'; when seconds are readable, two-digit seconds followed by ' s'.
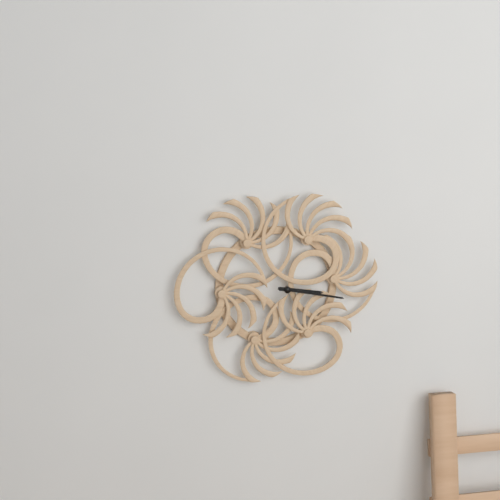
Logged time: 3 h 17 min
